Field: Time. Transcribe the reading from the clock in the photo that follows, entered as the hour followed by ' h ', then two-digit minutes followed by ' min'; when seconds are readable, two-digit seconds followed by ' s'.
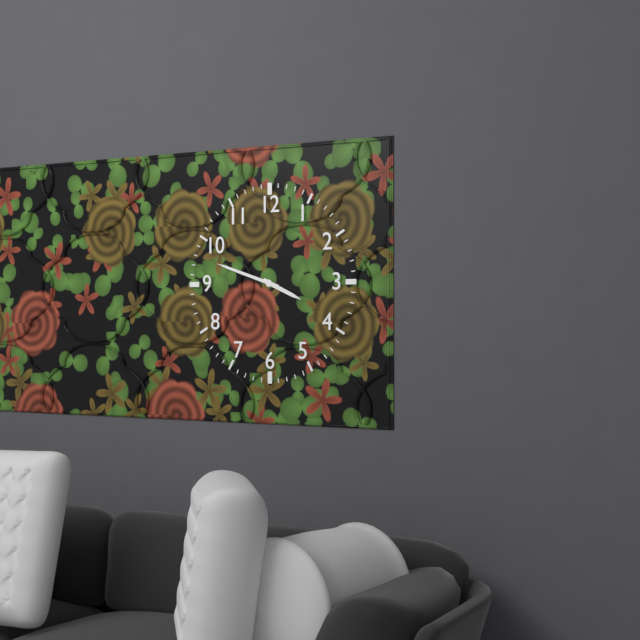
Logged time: 3 h 48 min
